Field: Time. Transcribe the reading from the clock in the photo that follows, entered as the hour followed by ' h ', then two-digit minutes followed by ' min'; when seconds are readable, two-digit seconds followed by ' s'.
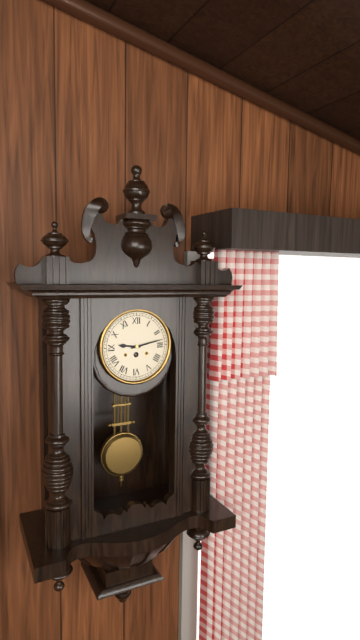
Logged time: 9 h 13 min
